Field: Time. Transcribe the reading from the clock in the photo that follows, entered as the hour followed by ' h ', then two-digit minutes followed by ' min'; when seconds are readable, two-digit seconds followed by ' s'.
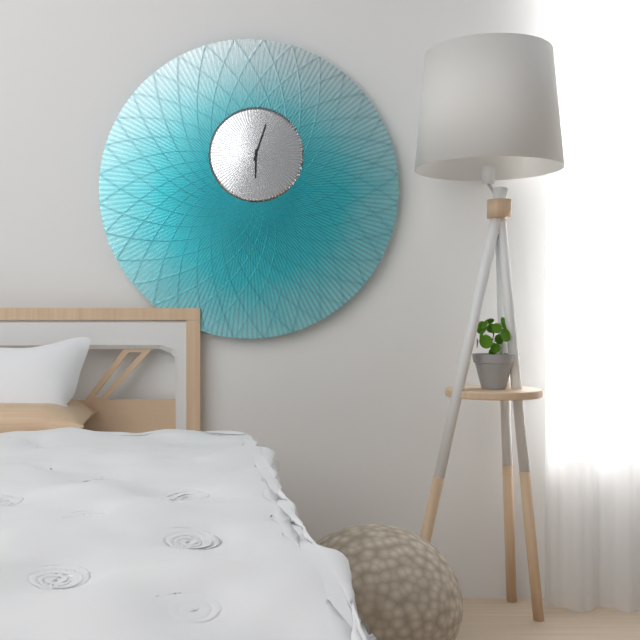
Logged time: 6 h 03 min
